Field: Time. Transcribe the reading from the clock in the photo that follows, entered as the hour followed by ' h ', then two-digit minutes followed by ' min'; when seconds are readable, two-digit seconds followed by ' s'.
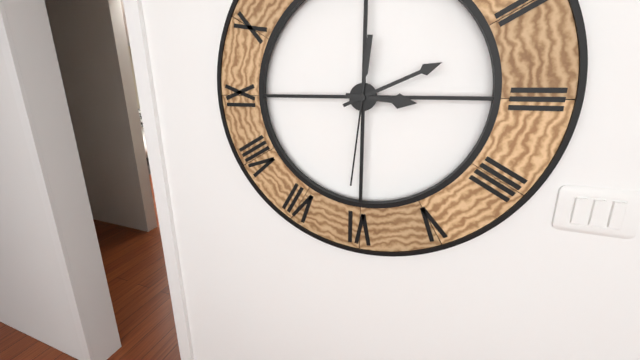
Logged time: 3 h 11 min 31 s
